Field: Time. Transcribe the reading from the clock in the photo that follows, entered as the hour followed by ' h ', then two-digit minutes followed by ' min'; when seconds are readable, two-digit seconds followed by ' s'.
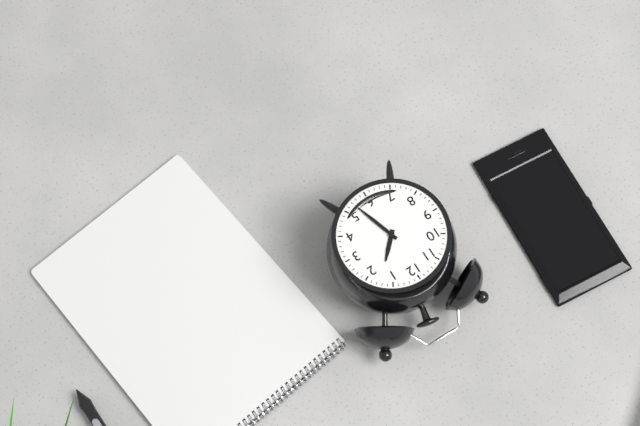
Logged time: 1 h 27 min
